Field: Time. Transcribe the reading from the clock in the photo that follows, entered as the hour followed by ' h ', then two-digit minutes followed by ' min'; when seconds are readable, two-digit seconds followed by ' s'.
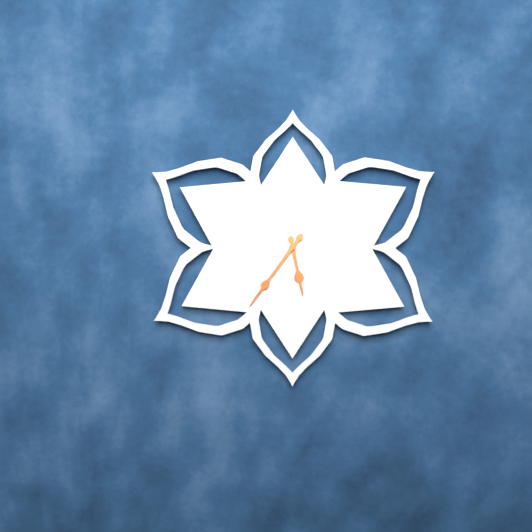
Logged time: 5 h 36 min
